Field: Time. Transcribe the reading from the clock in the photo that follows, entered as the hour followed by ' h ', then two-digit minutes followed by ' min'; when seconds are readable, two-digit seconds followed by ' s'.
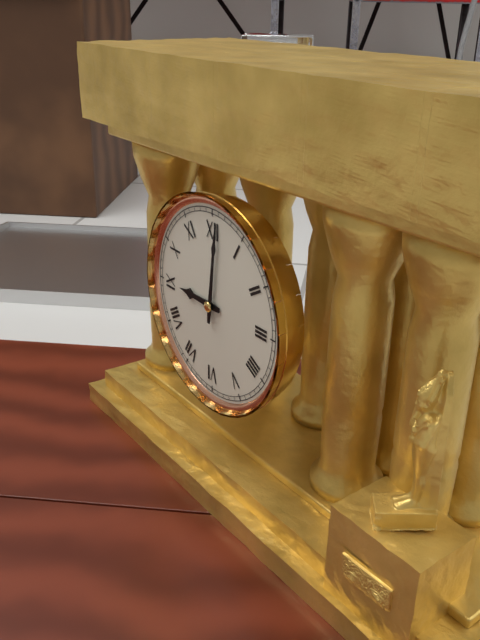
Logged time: 9 h 01 min
